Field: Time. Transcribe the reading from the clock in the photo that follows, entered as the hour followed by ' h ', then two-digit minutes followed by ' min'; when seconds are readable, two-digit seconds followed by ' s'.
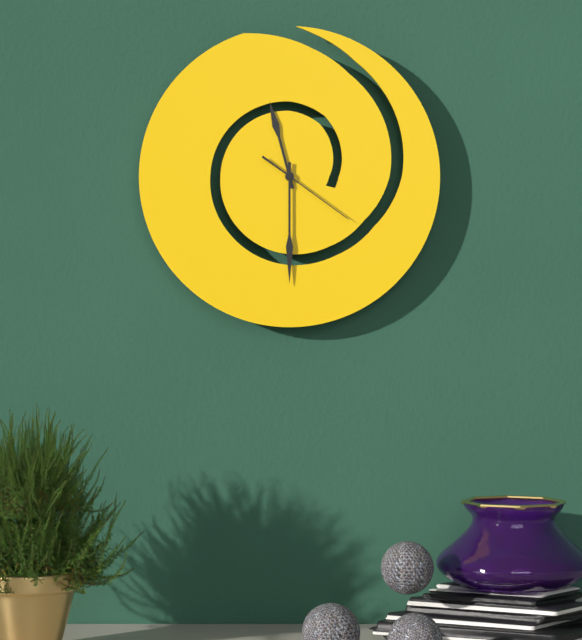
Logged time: 11 h 30 min 21 s
